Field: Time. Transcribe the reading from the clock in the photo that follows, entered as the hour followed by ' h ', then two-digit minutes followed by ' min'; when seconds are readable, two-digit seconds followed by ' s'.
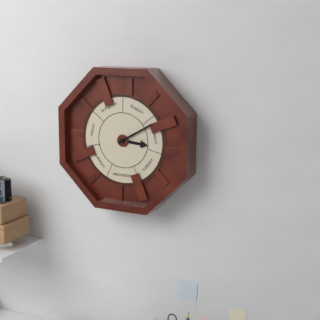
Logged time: 3 h 10 min
